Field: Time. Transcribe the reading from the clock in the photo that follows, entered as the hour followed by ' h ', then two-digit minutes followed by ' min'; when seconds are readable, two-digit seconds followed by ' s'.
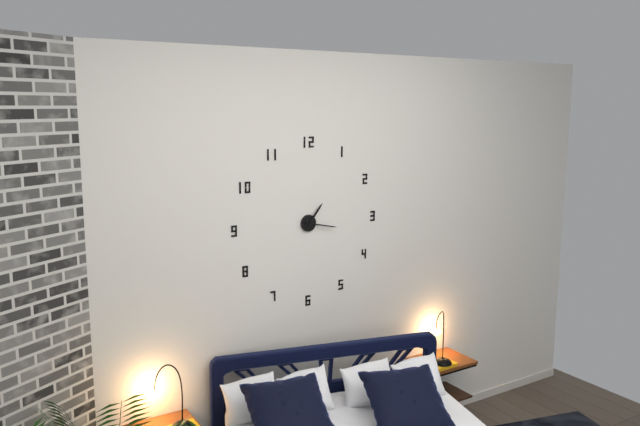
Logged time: 1 h 17 min
